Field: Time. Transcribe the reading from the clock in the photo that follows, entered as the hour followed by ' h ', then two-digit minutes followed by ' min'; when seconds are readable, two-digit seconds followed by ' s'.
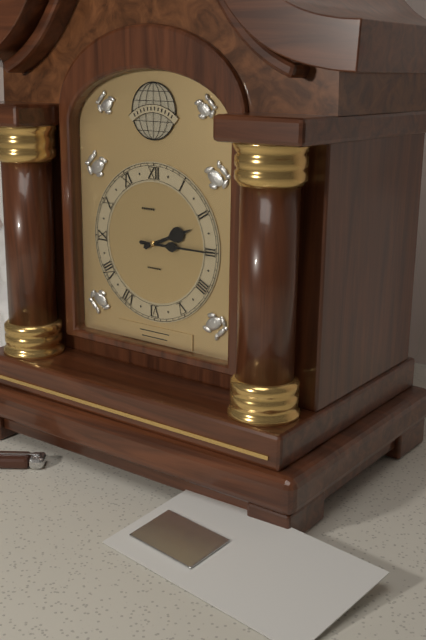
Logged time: 2 h 15 min
